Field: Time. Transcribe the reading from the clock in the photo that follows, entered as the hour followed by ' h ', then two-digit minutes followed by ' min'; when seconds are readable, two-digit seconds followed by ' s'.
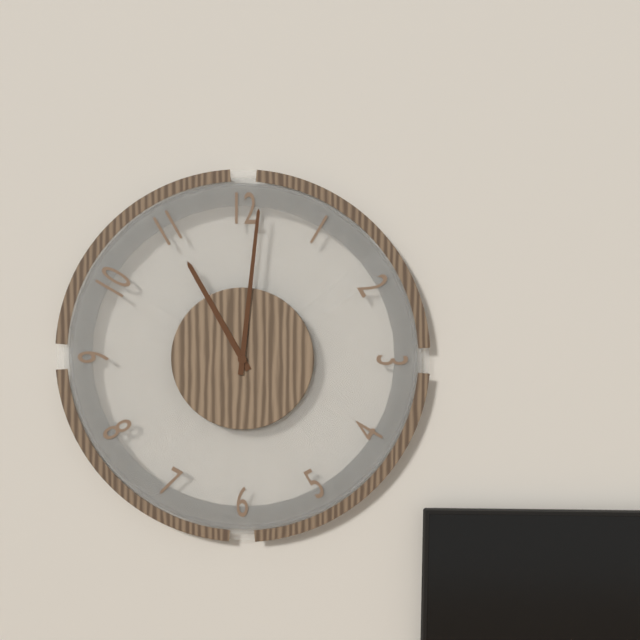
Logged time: 11 h 01 min
